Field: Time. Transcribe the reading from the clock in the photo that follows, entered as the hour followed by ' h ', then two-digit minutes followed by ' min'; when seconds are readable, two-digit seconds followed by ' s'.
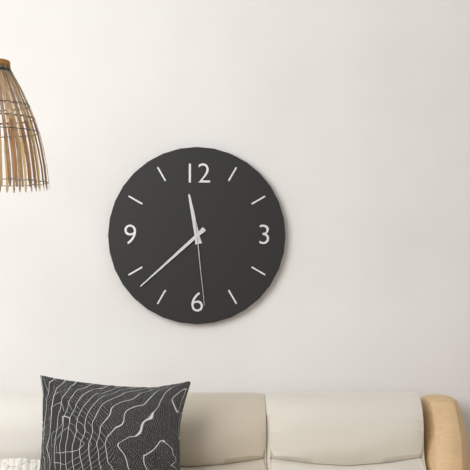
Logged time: 11 h 38 min 29 s
